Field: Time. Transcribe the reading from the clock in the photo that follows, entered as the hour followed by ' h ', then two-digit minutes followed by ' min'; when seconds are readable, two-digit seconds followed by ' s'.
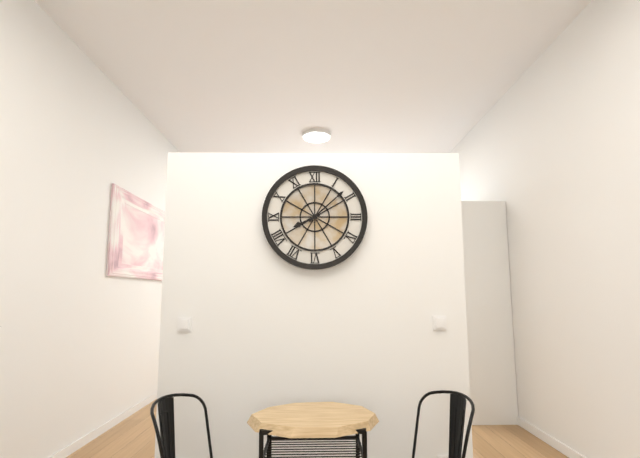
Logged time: 8 h 08 min
